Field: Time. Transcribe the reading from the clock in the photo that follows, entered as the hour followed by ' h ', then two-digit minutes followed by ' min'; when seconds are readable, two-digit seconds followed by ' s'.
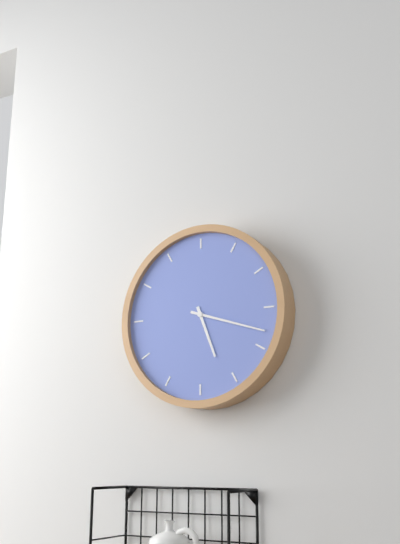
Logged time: 5 h 18 min
